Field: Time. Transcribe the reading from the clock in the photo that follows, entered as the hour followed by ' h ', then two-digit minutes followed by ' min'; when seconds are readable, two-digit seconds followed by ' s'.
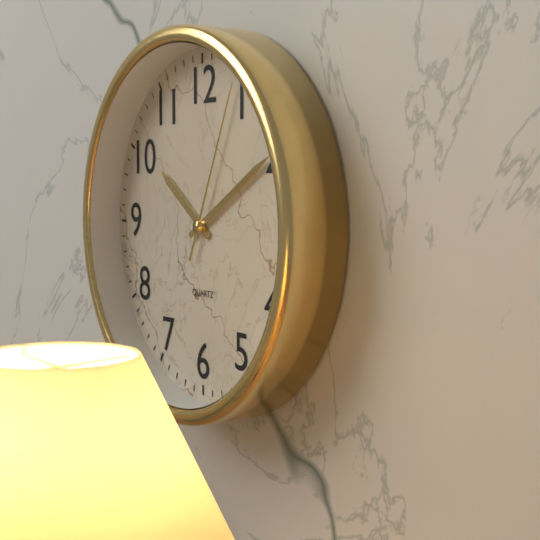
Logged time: 10 h 10 min 04 s
